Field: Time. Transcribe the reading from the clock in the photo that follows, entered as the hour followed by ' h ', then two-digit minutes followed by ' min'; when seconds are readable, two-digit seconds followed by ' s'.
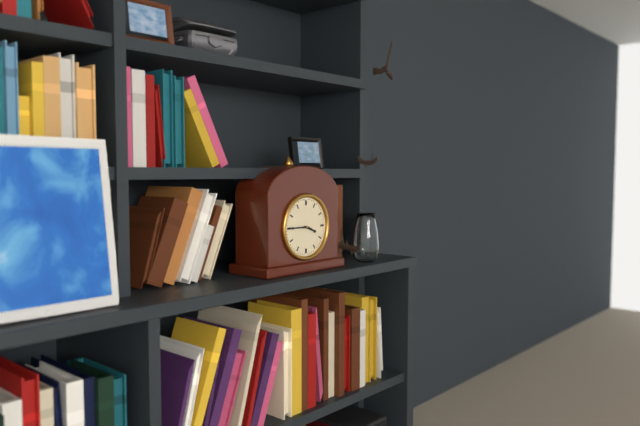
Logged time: 3 h 45 min
